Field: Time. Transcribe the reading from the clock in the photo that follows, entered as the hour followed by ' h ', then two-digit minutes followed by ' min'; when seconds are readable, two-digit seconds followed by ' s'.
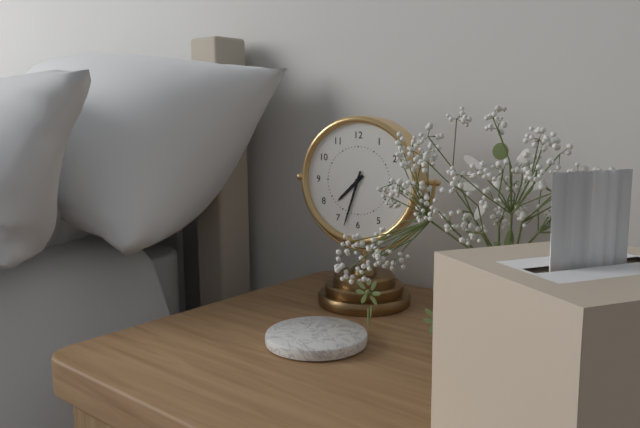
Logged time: 7 h 33 min
